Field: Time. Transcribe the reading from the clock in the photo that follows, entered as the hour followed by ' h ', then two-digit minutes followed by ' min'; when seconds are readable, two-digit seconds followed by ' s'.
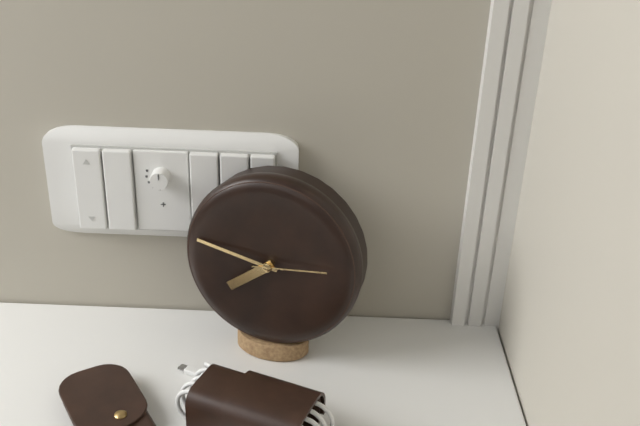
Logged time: 7 h 47 min 14 s
